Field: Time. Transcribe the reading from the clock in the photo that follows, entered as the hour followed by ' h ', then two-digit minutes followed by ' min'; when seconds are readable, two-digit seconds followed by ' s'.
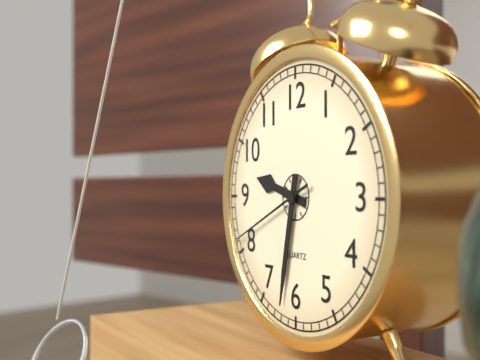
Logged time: 9 h 32 min 41 s
